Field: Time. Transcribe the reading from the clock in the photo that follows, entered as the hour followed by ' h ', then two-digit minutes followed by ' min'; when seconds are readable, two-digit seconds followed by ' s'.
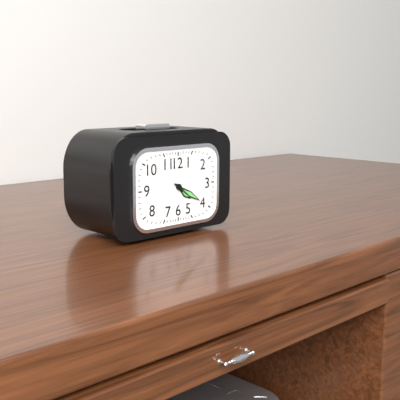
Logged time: 4 h 20 min
